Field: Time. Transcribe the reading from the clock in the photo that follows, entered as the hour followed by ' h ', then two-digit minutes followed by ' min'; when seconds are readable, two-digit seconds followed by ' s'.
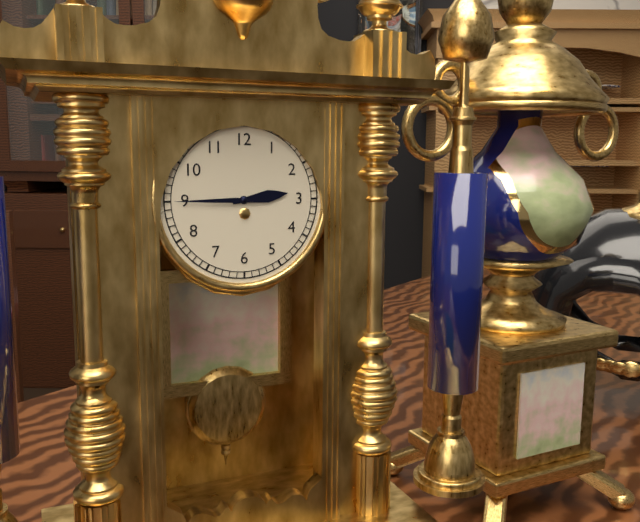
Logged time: 2 h 45 min
